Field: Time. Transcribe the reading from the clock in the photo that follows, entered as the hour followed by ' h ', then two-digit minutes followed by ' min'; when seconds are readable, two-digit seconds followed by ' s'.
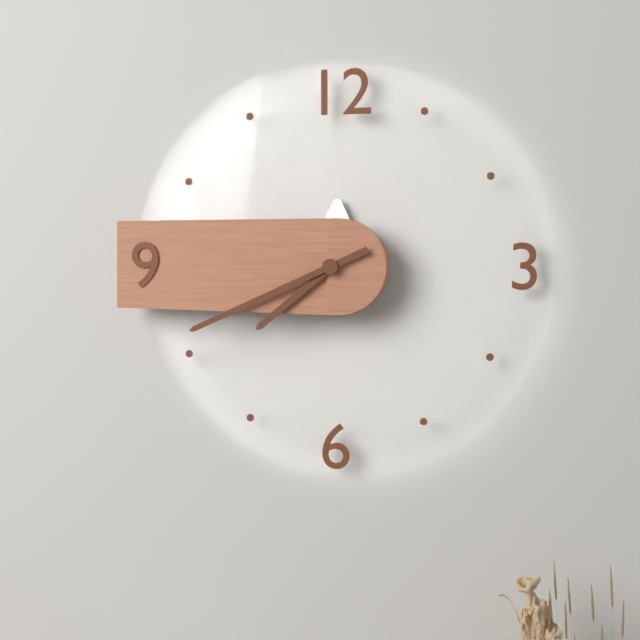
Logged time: 7 h 41 min
